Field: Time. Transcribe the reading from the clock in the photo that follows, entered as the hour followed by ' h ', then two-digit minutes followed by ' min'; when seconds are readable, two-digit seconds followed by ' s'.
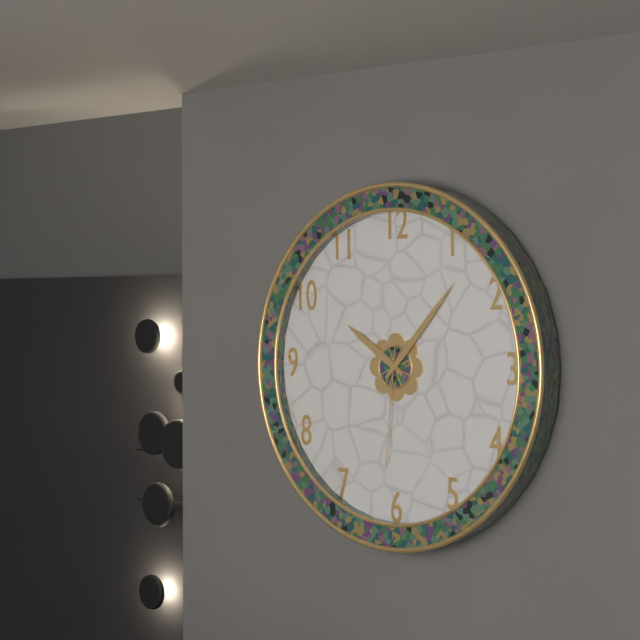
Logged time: 10 h 07 min 31 s
